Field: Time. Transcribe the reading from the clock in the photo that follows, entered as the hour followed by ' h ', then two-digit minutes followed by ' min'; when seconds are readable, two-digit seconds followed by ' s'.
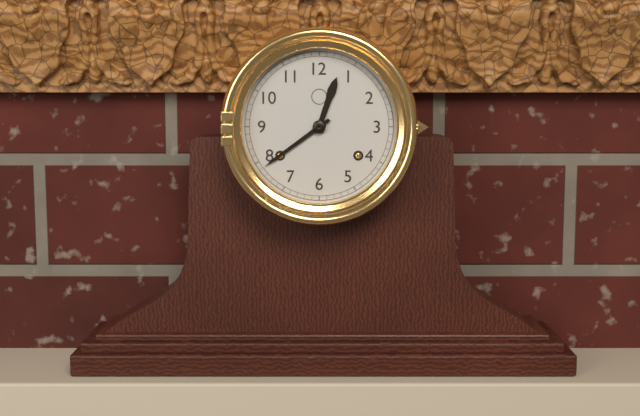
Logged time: 12 h 39 min
